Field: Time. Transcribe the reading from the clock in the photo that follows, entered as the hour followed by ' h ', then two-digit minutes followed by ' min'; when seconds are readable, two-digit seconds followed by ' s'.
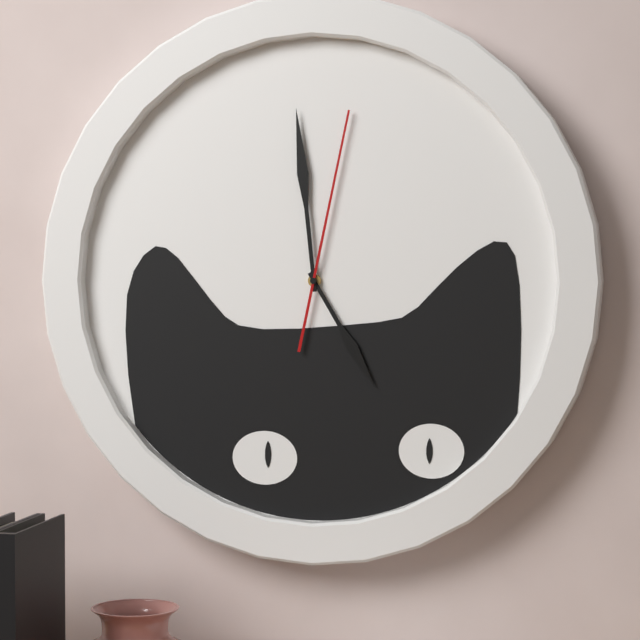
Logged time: 4 h 59 min 02 s
